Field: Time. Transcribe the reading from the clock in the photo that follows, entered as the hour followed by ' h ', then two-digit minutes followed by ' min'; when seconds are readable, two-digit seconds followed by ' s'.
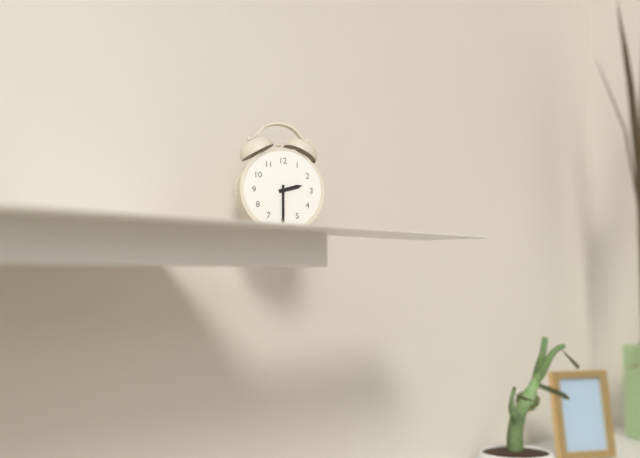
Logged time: 2 h 30 min
